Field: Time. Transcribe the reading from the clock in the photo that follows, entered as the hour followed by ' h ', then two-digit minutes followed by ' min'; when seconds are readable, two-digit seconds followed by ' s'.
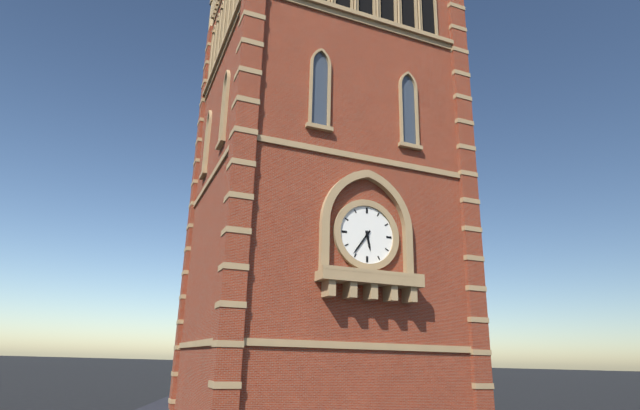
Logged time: 5 h 36 min
